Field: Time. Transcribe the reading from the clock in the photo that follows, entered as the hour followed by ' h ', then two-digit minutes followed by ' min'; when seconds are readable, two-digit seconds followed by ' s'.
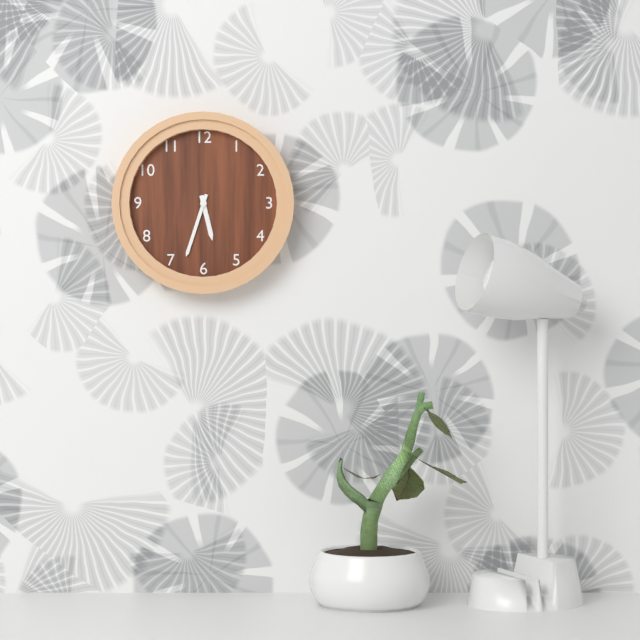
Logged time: 5 h 33 min
